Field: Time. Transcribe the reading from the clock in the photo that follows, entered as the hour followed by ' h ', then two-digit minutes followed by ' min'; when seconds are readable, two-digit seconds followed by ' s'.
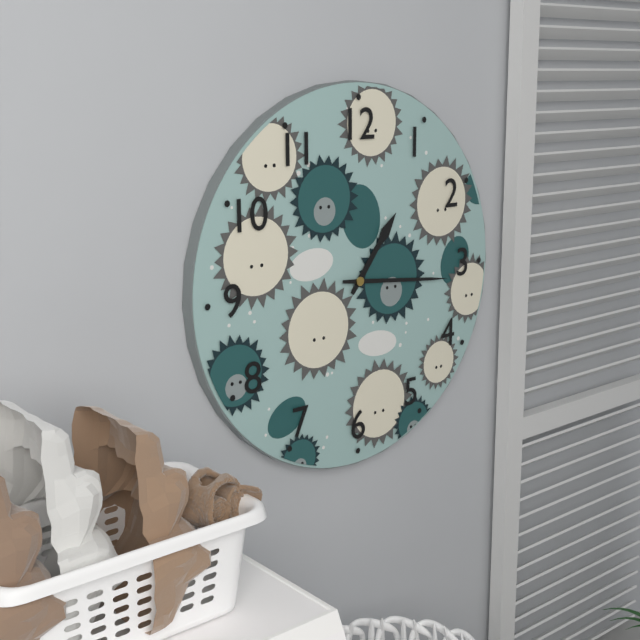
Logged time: 1 h 16 min
